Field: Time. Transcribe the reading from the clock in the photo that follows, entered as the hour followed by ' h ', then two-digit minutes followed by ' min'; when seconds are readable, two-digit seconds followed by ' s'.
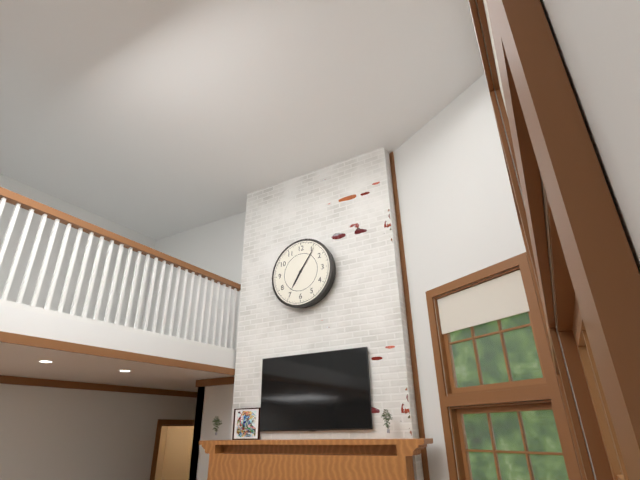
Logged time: 7 h 06 min
